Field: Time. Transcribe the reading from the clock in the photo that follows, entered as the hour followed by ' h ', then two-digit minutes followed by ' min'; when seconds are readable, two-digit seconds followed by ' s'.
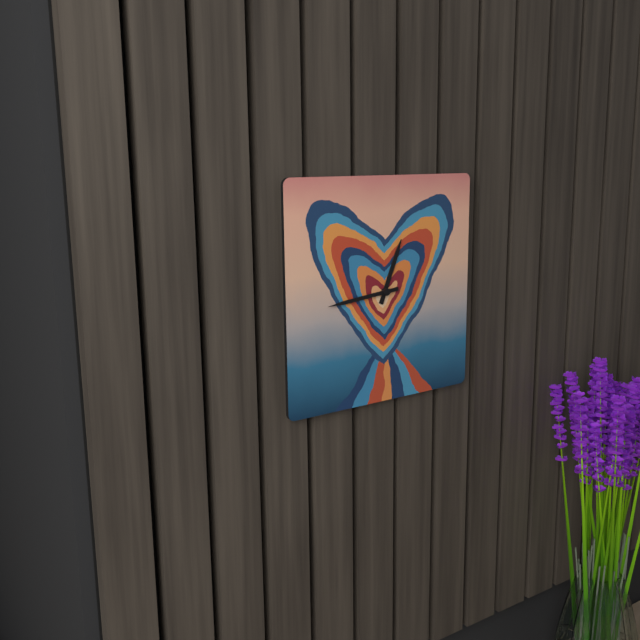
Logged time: 12 h 44 min
